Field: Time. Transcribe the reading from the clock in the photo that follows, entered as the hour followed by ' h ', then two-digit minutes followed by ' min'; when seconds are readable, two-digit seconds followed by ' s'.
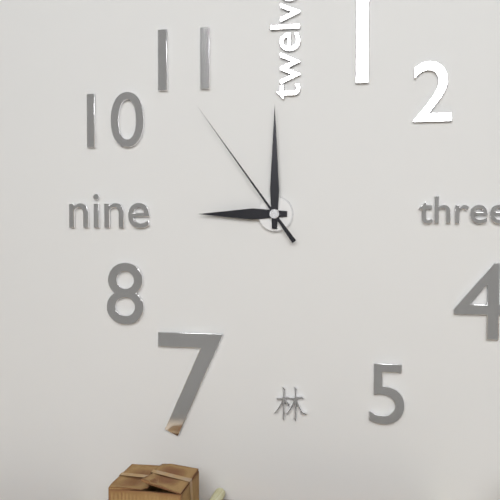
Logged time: 9 h 00 min 54 s
